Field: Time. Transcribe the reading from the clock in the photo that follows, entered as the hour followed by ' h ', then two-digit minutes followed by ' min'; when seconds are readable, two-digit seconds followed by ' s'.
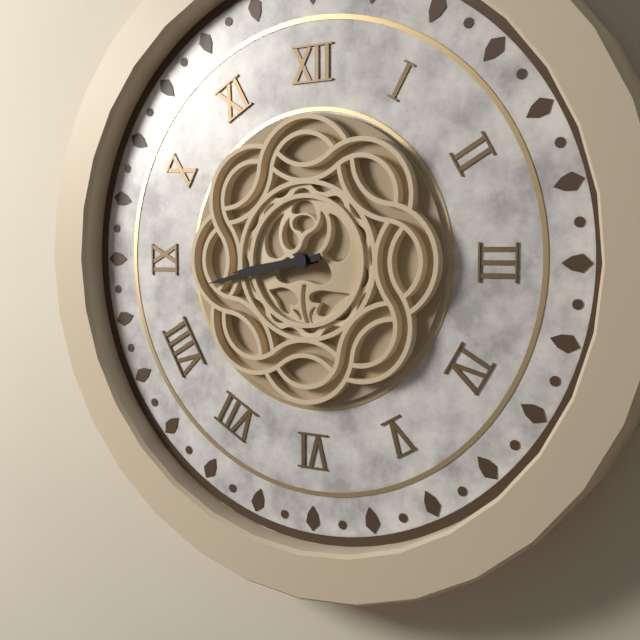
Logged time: 8 h 43 min
